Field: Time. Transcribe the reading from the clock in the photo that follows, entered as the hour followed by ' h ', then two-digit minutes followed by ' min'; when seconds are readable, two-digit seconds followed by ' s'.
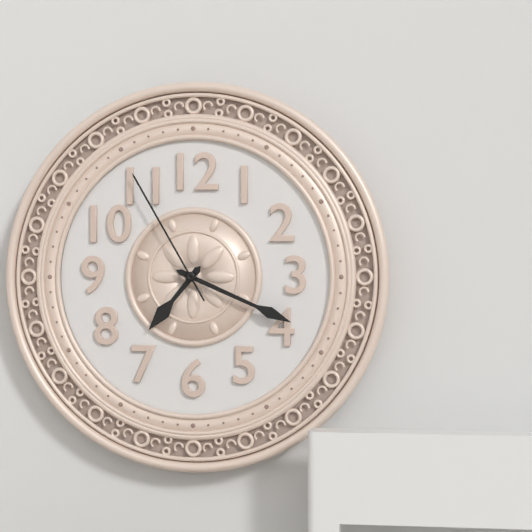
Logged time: 7 h 19 min 55 s
